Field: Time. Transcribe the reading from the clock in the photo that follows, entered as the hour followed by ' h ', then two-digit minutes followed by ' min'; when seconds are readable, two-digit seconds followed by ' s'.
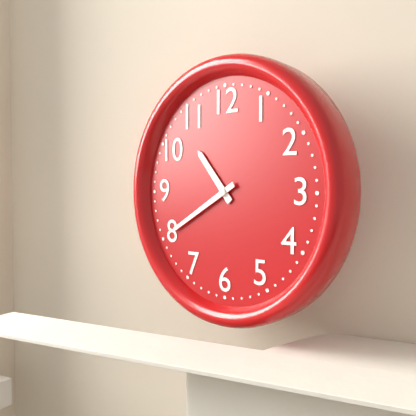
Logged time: 10 h 40 min
